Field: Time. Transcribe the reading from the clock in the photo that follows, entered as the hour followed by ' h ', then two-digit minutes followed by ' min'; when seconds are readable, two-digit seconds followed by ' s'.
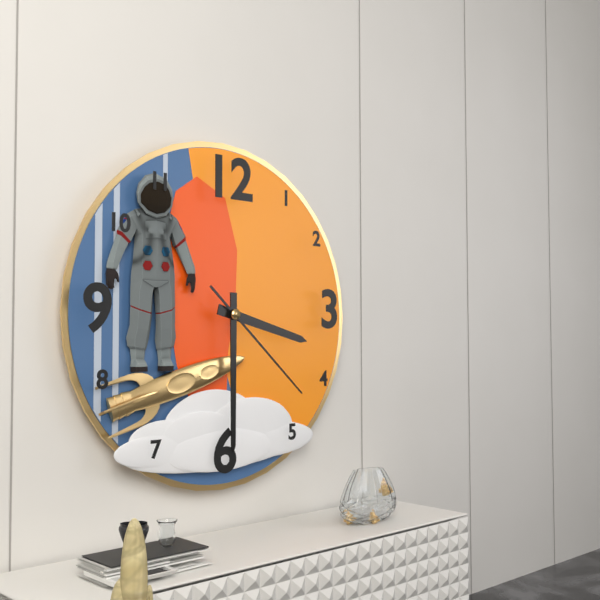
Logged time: 3 h 30 min 22 s
